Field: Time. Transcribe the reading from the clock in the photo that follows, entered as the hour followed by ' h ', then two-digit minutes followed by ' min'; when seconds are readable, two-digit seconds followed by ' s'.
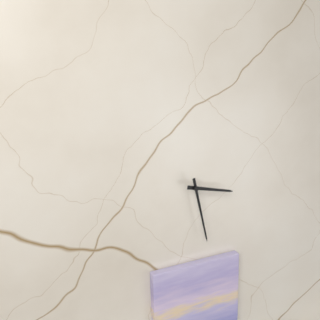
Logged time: 3 h 28 min
